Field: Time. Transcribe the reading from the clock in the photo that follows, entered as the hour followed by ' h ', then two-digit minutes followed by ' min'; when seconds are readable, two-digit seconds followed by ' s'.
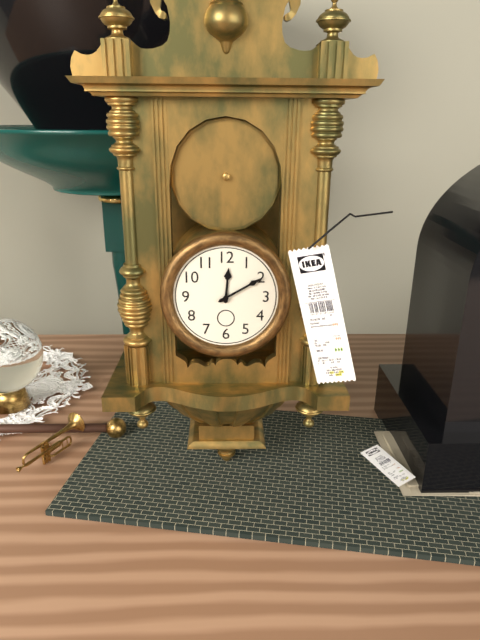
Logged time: 12 h 10 min
